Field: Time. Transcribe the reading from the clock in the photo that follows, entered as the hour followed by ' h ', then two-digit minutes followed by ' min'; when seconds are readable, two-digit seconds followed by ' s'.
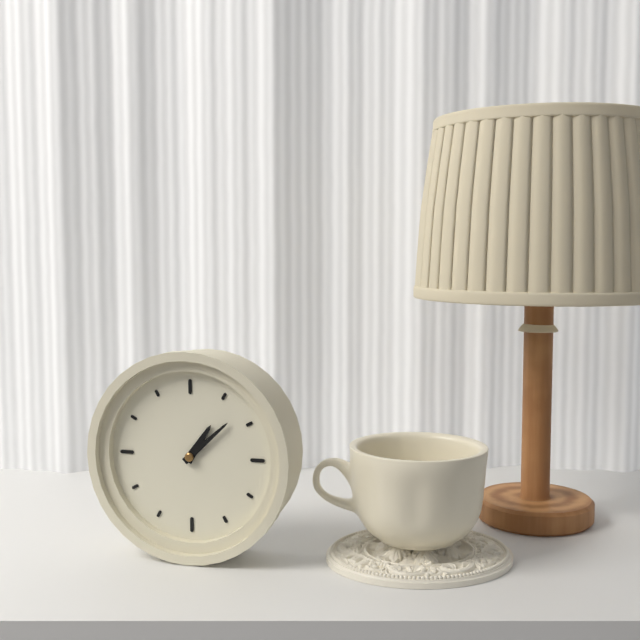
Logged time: 1 h 08 min
